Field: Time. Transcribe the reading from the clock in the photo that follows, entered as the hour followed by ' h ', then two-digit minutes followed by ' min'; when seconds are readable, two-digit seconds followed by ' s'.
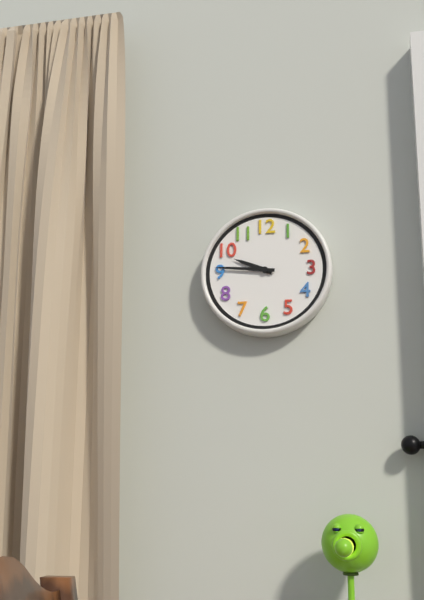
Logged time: 9 h 46 min
